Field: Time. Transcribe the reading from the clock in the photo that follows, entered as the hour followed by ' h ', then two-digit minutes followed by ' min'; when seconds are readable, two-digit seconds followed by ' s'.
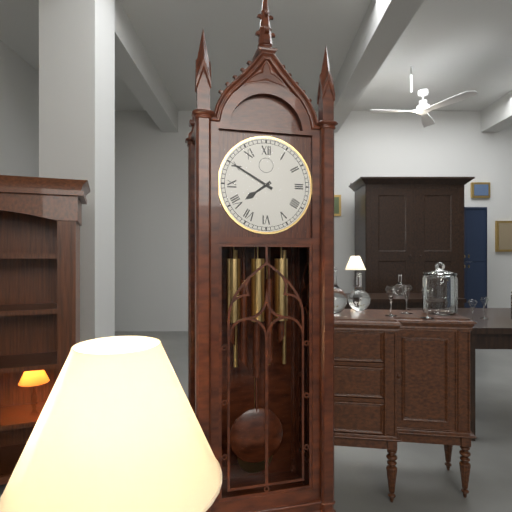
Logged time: 7 h 50 min
